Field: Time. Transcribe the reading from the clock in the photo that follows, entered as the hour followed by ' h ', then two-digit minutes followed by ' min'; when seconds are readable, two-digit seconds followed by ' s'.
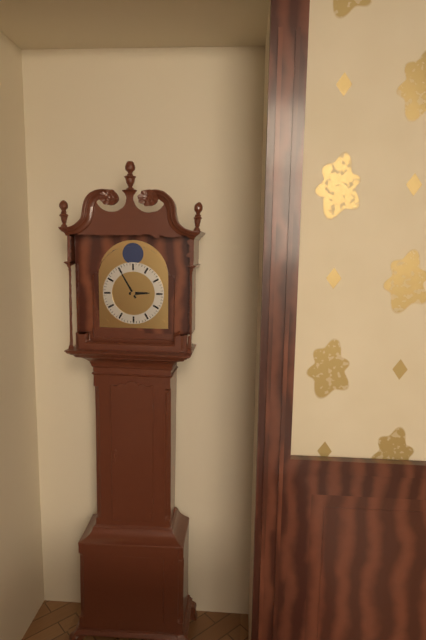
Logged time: 2 h 55 min
